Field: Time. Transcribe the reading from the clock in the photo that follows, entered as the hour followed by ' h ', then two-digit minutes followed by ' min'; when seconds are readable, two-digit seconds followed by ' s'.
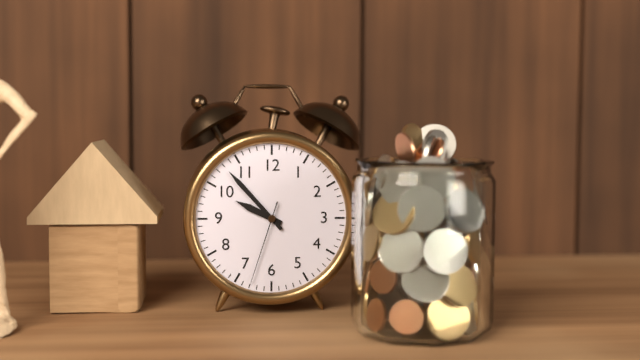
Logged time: 9 h 53 min 33 s
